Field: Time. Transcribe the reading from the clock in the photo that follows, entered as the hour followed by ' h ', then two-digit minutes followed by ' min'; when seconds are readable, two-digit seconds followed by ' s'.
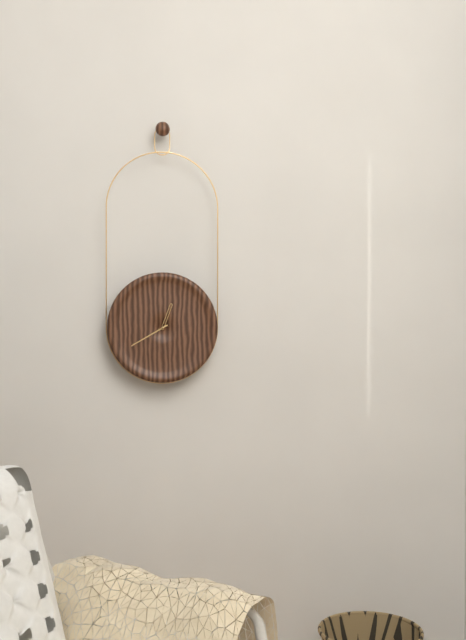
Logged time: 12 h 40 min
